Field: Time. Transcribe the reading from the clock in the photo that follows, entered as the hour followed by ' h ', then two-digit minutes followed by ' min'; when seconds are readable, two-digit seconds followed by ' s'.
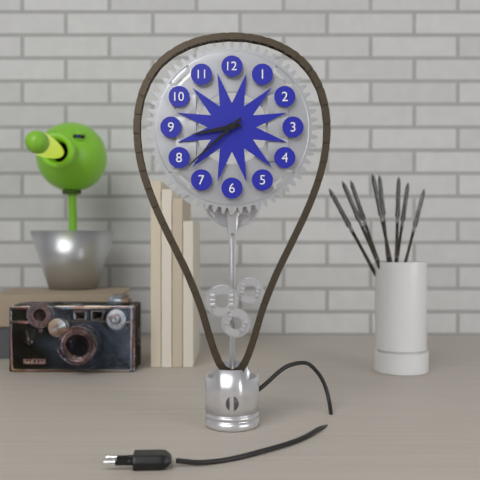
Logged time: 8 h 38 min
